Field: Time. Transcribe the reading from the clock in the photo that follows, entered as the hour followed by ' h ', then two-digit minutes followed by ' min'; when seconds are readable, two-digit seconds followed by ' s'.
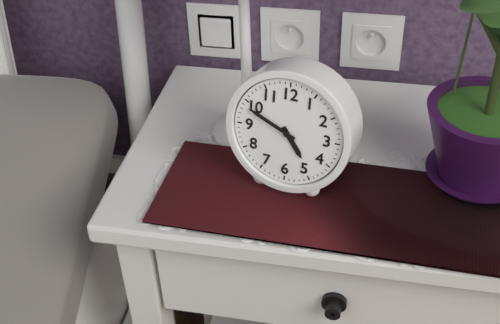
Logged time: 4 h 49 min
